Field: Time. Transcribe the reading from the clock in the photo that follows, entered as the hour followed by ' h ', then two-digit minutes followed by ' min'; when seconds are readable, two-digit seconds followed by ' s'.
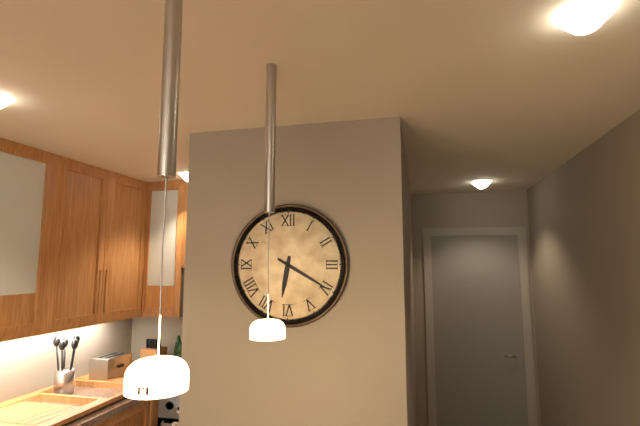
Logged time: 6 h 20 min
